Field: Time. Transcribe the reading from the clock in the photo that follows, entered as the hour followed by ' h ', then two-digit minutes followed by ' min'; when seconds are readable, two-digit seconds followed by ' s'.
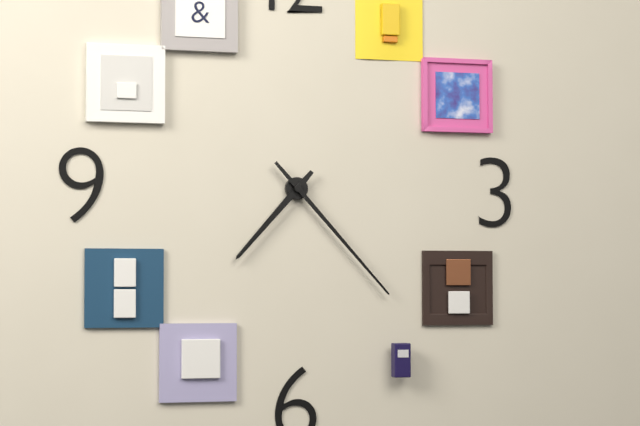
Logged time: 7 h 23 min
